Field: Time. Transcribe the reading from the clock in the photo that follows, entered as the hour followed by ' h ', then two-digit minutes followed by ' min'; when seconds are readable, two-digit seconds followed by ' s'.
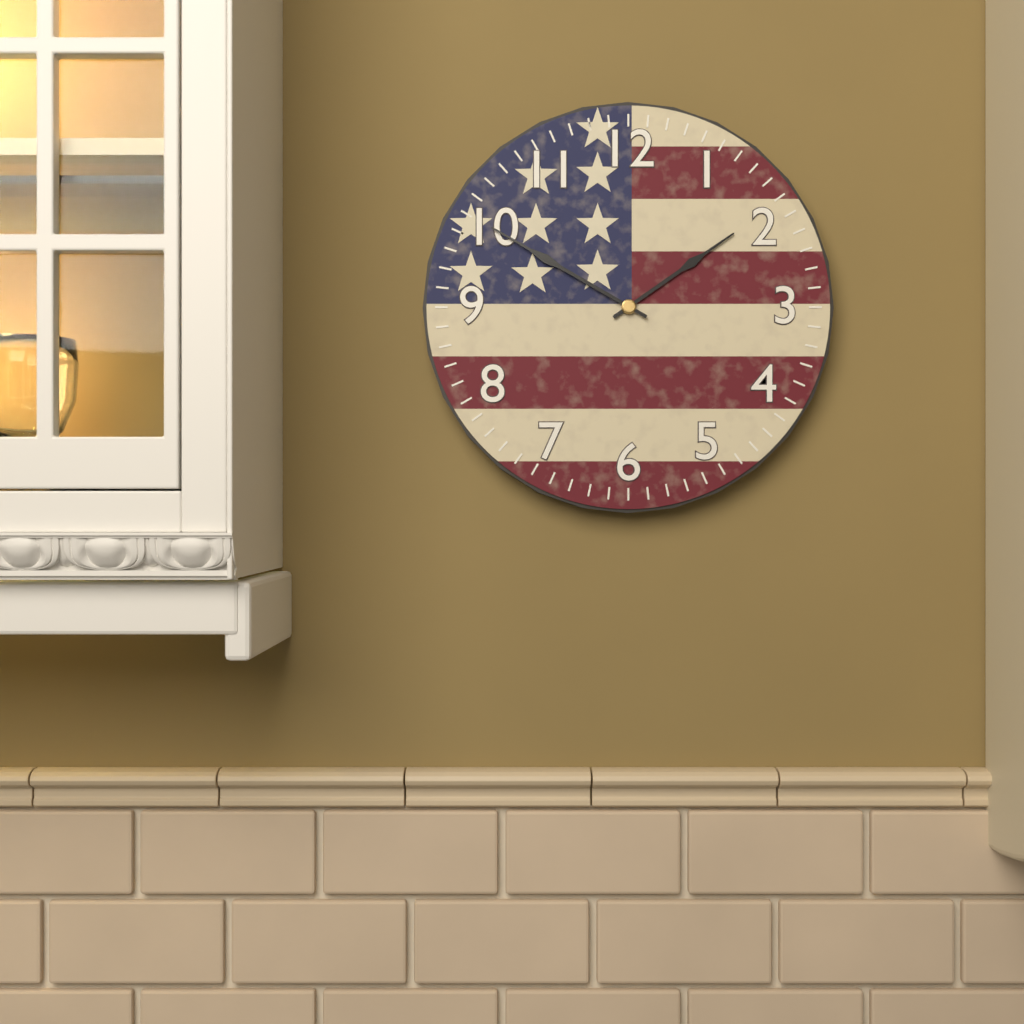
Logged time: 1 h 50 min
